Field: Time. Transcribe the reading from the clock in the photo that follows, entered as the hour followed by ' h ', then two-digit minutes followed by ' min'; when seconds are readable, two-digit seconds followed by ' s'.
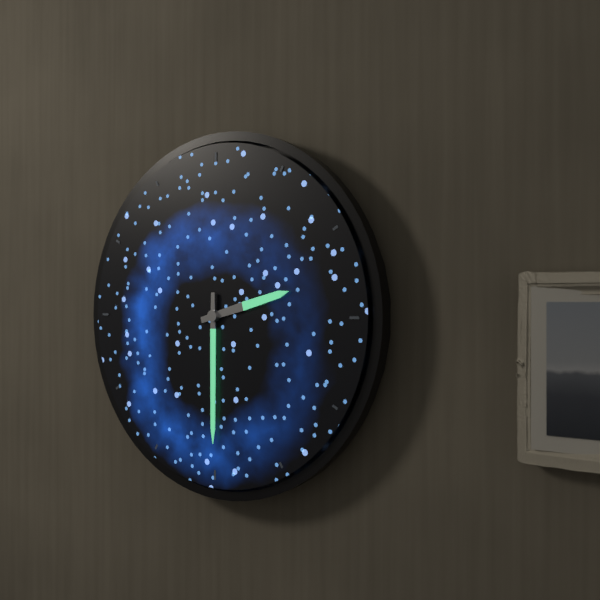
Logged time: 2 h 30 min
